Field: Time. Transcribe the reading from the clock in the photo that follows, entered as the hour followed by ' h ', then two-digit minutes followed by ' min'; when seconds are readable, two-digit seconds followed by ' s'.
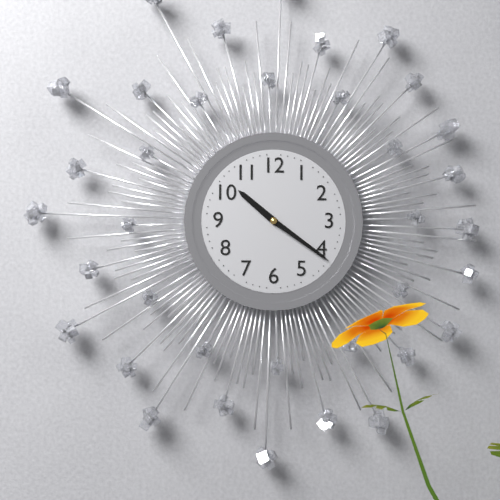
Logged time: 10 h 21 min
